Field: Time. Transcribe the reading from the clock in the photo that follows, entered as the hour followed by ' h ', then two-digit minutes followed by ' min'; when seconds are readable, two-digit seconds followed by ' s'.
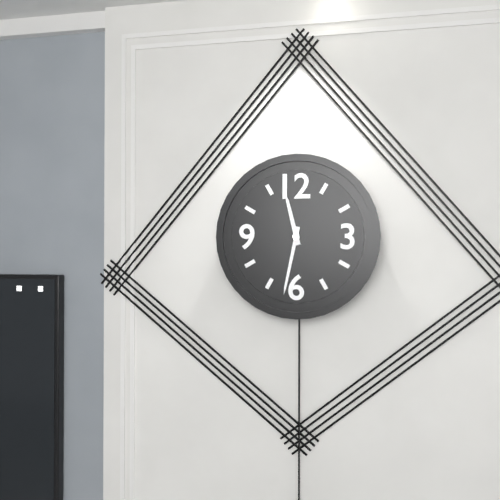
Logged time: 11 h 32 min
